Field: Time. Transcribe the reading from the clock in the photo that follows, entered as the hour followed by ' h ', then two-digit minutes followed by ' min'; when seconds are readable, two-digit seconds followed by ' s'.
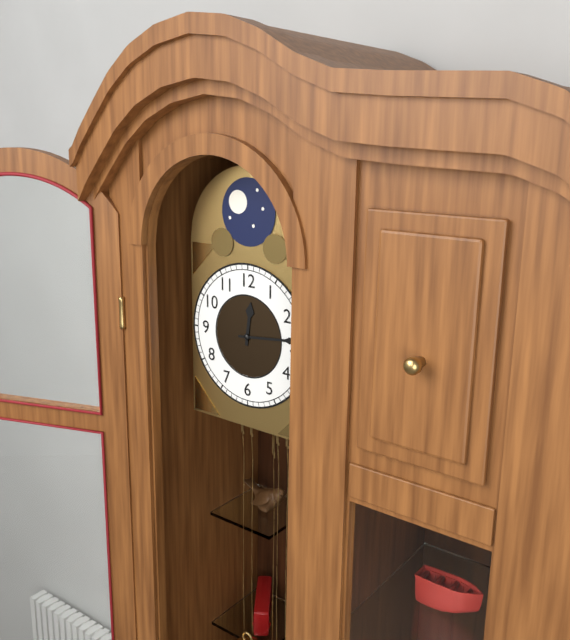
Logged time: 12 h 14 min
